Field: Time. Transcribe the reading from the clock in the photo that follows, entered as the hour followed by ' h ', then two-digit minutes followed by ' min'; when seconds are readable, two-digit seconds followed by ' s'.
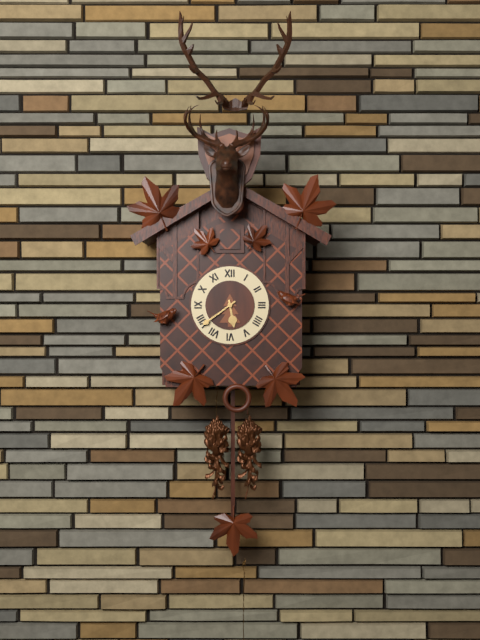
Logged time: 5 h 39 min
